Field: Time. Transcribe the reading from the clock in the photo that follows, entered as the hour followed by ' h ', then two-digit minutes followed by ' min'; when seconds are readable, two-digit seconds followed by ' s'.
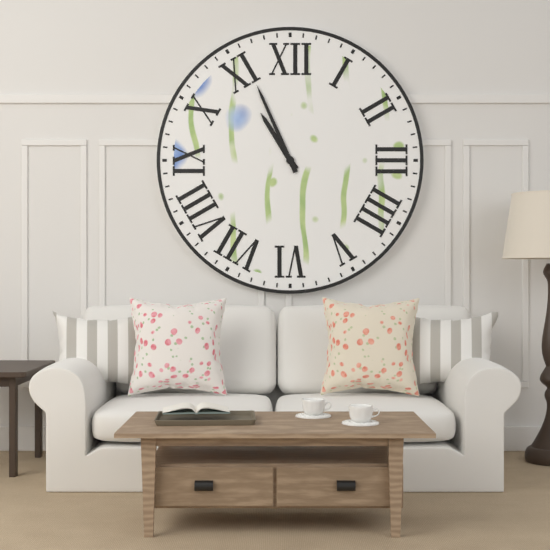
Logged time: 10 h 56 min
